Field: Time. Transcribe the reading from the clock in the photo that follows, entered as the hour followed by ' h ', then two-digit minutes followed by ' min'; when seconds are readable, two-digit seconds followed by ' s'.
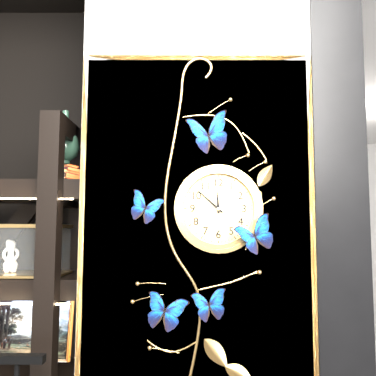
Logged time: 11 h 52 min
